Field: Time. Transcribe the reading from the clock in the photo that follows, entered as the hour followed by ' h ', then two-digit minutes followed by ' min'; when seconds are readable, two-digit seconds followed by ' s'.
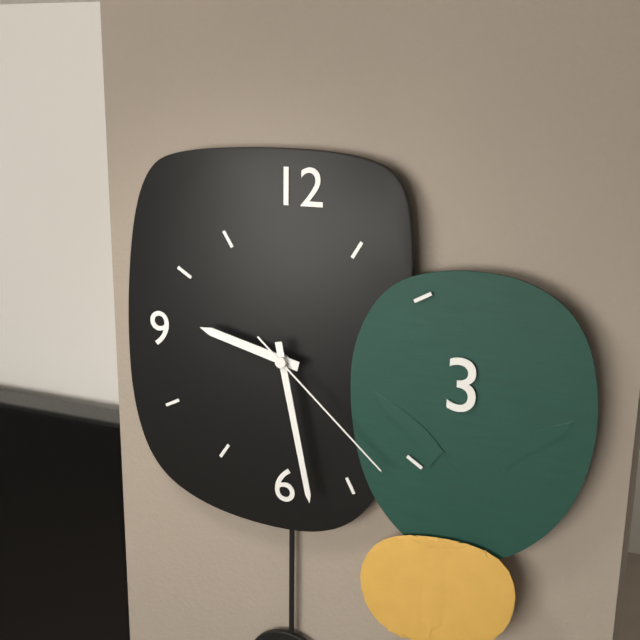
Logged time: 9 h 28 min 22 s
